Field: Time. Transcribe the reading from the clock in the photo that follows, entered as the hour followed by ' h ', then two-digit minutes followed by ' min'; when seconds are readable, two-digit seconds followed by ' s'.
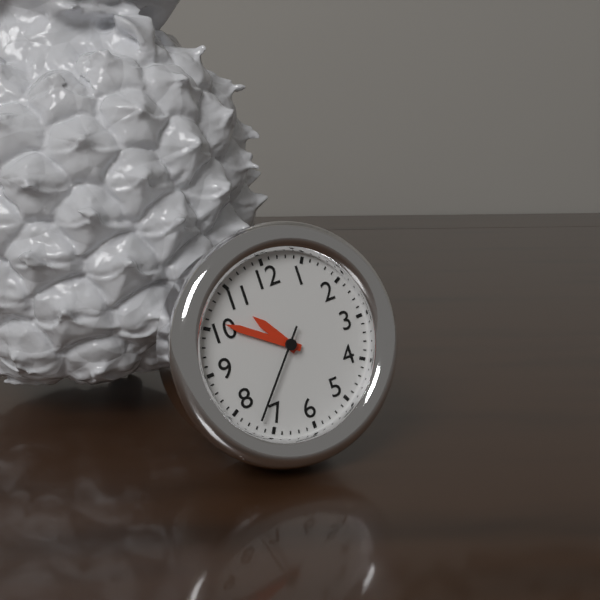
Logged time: 10 h 51 min 37 s
